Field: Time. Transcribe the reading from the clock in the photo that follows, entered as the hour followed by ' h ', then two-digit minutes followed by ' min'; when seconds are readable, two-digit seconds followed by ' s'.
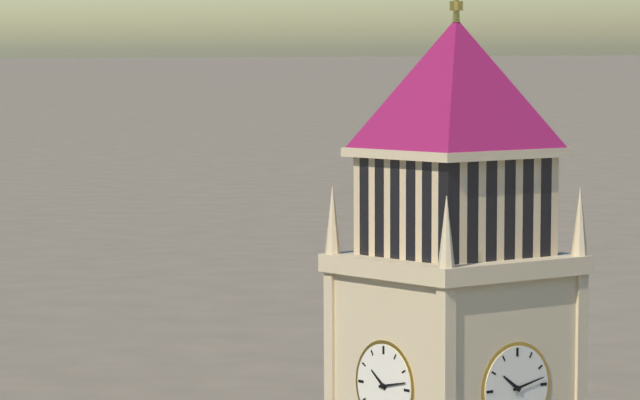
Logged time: 10 h 13 min
